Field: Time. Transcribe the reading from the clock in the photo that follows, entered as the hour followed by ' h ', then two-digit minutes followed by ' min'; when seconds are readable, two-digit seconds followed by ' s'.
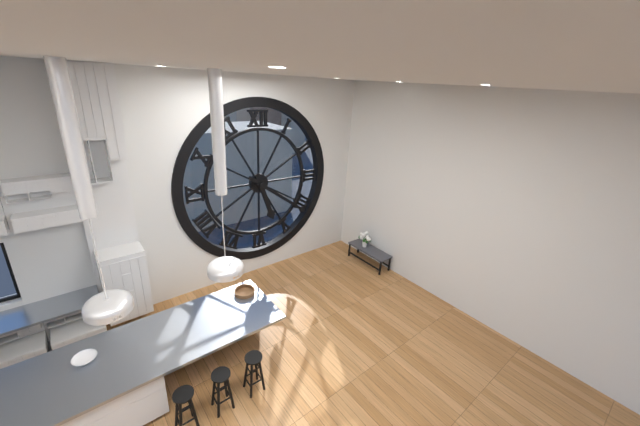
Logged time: 5 h 21 min
